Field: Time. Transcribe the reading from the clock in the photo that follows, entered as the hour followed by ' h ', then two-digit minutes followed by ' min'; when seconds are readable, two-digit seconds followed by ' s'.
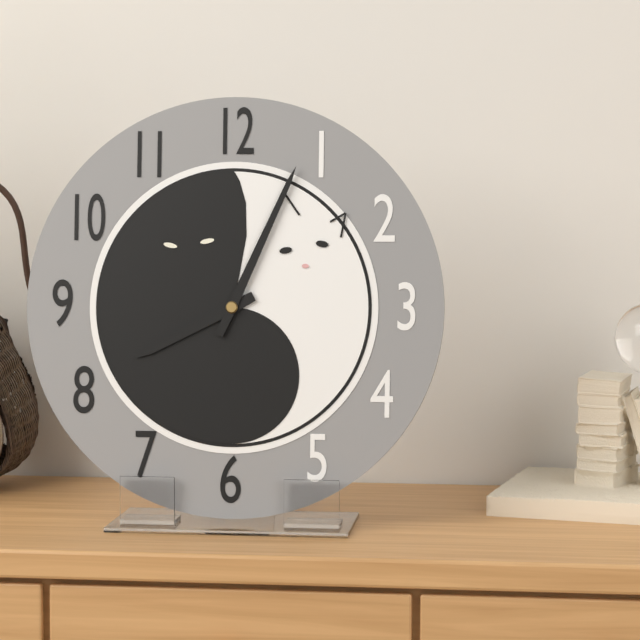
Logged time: 8 h 04 min
